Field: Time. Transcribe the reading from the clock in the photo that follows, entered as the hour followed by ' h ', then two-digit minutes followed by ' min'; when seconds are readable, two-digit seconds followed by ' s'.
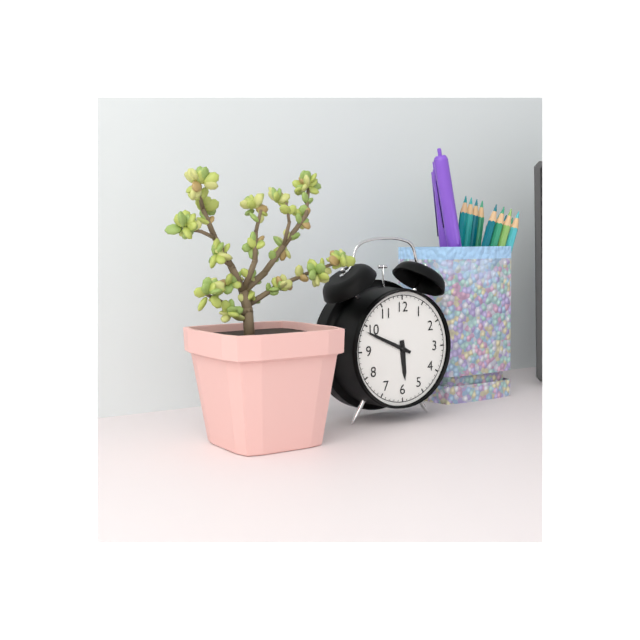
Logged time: 5 h 49 min
